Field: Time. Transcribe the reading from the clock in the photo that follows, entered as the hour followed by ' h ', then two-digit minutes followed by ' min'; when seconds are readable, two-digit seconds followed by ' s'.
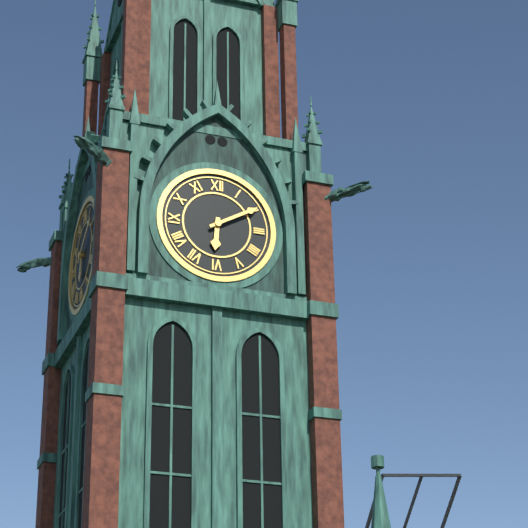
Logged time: 6 h 10 min
